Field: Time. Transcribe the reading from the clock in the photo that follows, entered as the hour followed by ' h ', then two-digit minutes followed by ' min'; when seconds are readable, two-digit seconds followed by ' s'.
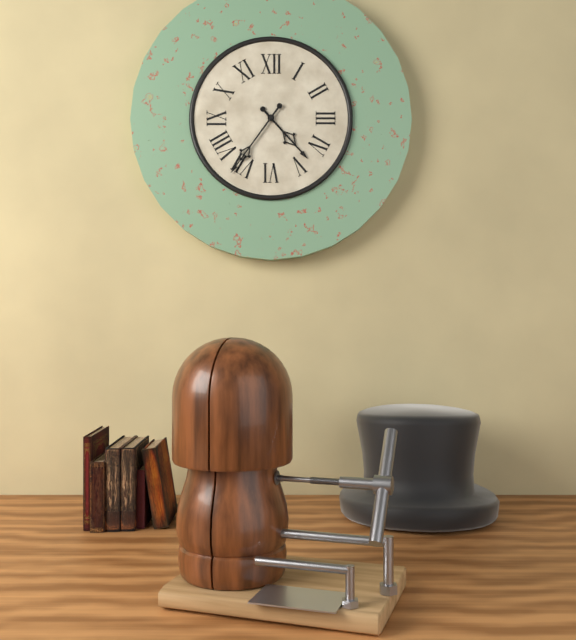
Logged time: 4 h 36 min
